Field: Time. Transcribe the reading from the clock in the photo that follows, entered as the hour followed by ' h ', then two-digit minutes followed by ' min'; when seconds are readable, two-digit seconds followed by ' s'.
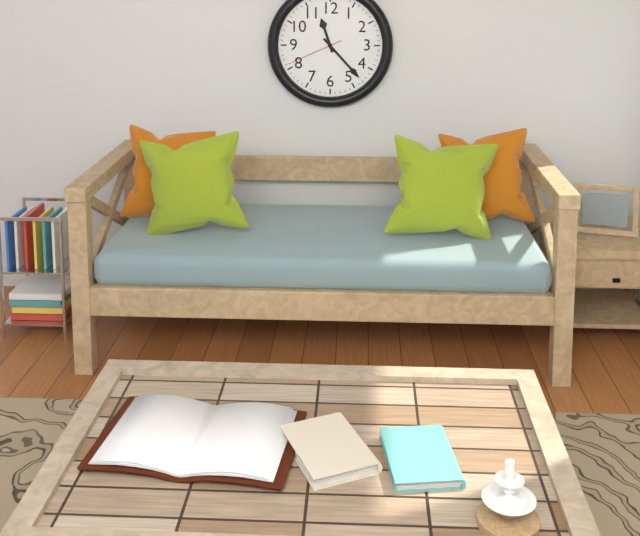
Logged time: 11 h 23 min 41 s
